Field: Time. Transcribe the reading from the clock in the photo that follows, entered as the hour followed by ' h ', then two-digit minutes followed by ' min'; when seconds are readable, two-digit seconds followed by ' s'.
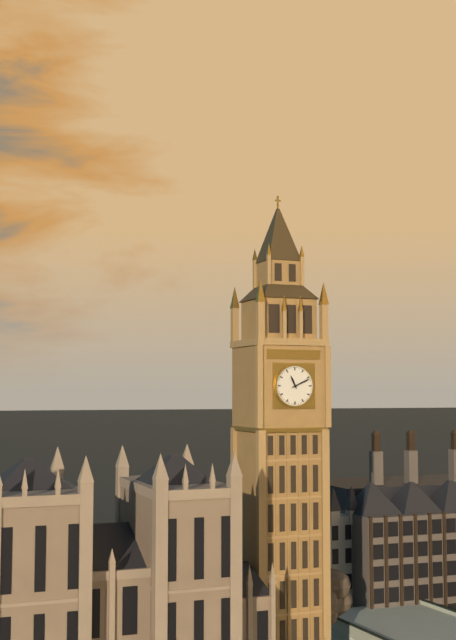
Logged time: 11 h 11 min
